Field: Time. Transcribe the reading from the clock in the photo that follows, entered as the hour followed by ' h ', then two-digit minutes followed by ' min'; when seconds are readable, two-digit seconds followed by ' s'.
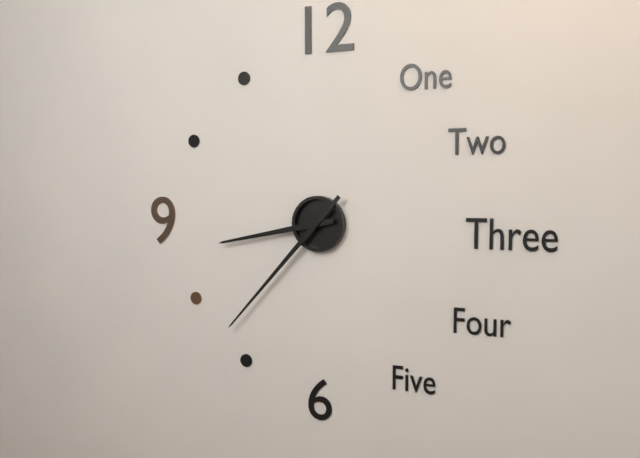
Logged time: 8 h 37 min
